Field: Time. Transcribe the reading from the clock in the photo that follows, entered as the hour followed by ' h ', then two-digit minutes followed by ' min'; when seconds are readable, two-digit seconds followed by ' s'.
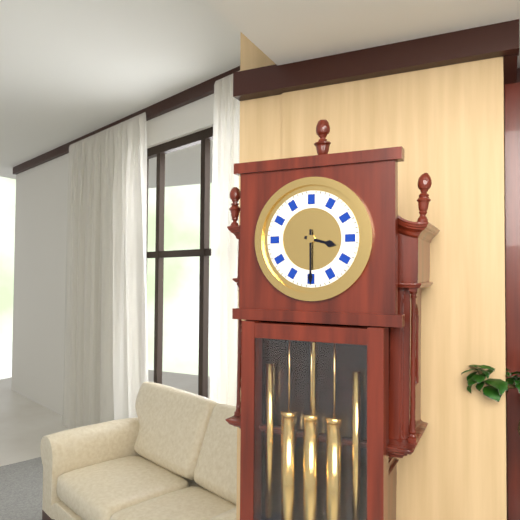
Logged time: 3 h 30 min
